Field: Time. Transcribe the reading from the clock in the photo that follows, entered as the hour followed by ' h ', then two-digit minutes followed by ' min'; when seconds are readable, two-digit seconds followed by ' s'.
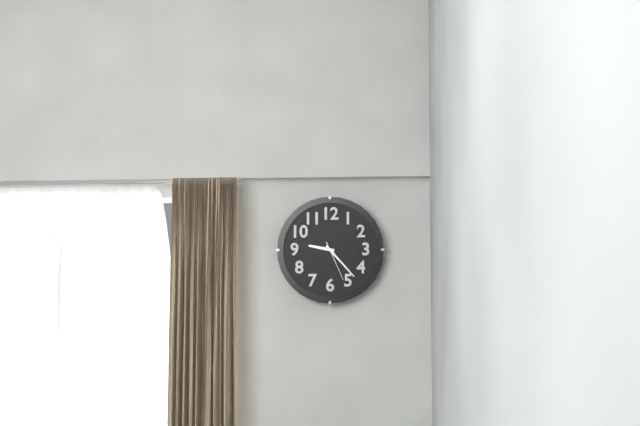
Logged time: 9 h 23 min
